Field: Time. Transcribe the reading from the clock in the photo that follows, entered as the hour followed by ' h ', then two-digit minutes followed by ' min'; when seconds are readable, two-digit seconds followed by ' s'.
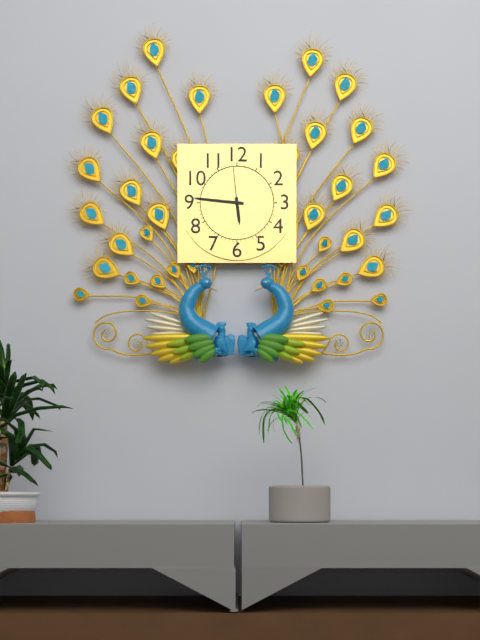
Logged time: 5 h 46 min
